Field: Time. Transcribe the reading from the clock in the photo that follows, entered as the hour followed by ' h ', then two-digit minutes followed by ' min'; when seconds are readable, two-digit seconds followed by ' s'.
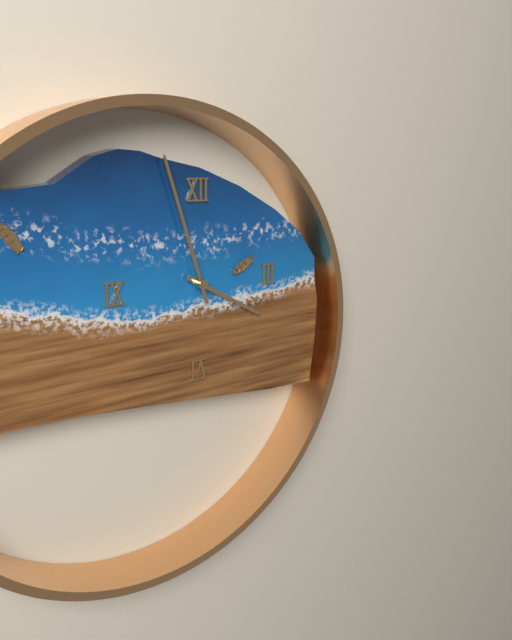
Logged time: 3 h 57 min
